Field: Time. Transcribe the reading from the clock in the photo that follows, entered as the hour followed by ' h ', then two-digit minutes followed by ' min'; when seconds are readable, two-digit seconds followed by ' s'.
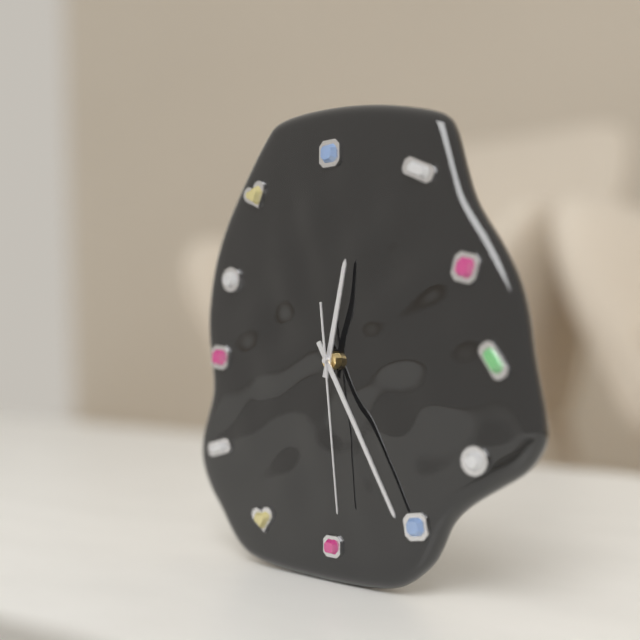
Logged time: 12 h 25 min 29 s
